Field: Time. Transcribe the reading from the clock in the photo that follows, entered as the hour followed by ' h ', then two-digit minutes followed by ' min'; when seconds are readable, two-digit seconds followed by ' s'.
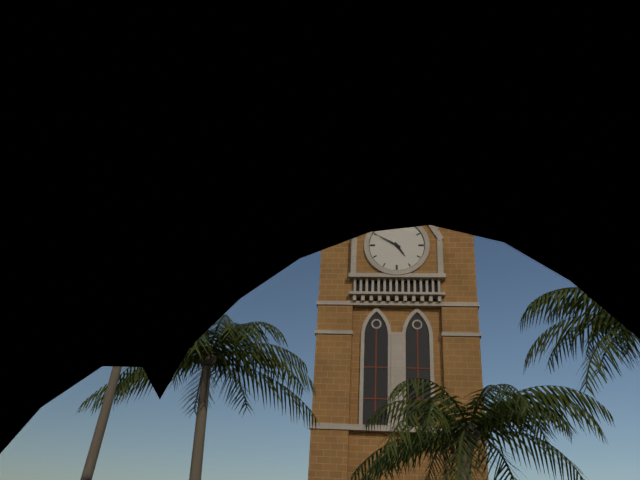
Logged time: 4 h 50 min
